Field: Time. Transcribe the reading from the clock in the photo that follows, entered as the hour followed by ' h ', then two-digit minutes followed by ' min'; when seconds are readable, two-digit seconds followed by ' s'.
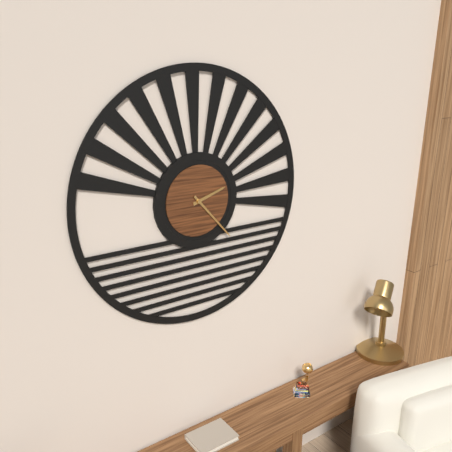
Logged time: 2 h 23 min
